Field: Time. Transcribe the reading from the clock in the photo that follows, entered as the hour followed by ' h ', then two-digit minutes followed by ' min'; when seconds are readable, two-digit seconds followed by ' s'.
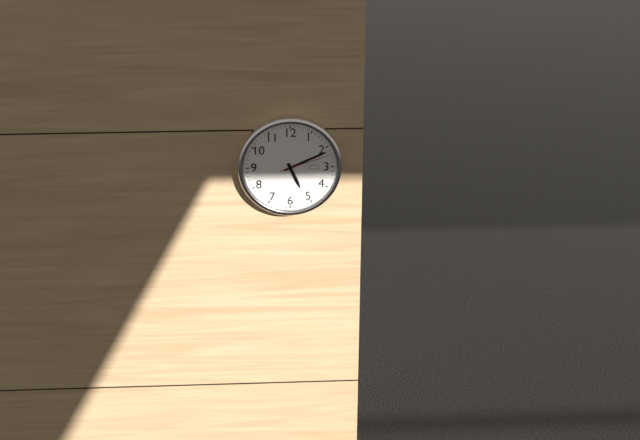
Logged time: 5 h 11 min 12 s
